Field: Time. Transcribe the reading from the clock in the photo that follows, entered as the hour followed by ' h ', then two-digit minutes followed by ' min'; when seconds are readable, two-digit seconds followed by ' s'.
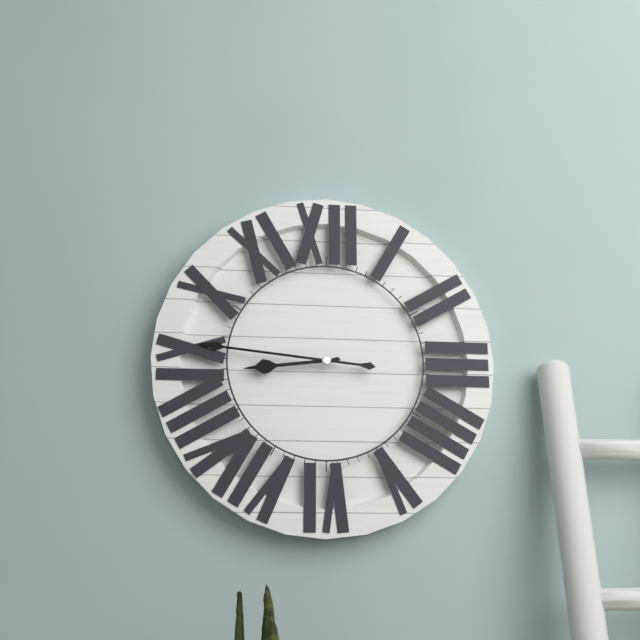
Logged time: 8 h 46 min
